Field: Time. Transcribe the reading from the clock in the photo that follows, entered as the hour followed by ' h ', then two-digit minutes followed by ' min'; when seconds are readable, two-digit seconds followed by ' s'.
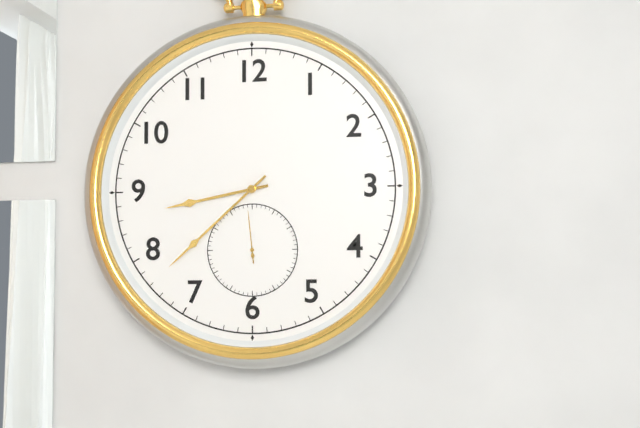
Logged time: 8 h 38 min 59 s
